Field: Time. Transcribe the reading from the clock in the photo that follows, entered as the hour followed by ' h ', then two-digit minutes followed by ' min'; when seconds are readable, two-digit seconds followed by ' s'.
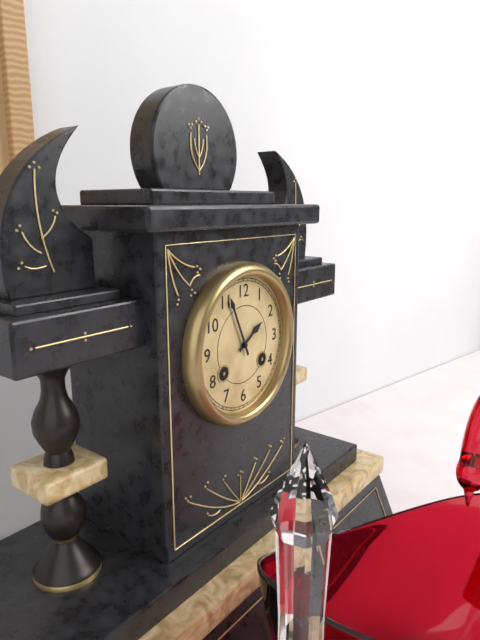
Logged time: 1 h 56 min
